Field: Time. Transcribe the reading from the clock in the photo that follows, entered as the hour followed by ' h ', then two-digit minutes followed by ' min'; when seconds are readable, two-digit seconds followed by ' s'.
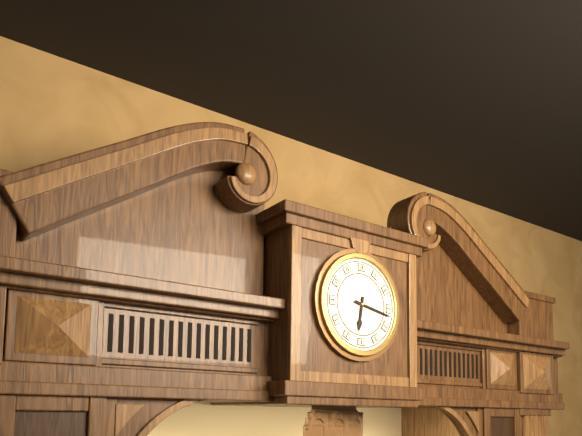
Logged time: 6 h 17 min
